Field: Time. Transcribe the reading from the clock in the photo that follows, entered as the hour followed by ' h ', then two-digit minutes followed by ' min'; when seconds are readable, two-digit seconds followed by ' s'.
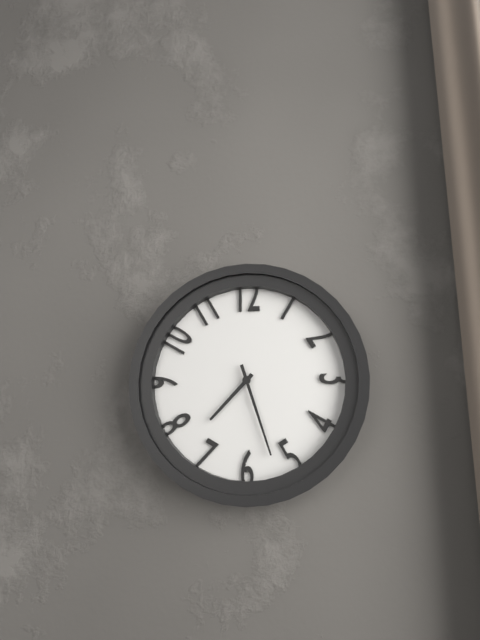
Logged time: 7 h 27 min
